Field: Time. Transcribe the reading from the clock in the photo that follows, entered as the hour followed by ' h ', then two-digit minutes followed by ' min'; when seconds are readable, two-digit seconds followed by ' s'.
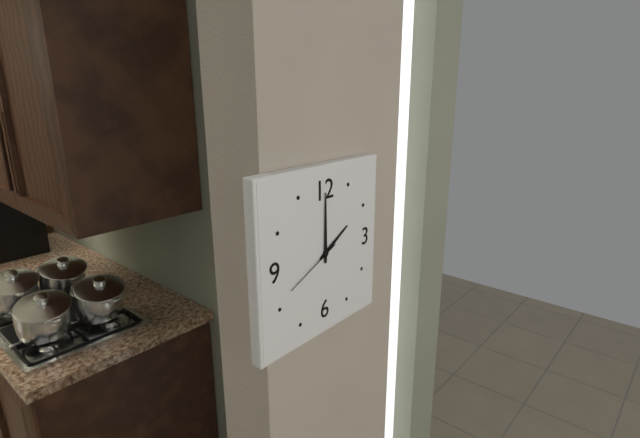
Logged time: 2 h 00 min 41 s
